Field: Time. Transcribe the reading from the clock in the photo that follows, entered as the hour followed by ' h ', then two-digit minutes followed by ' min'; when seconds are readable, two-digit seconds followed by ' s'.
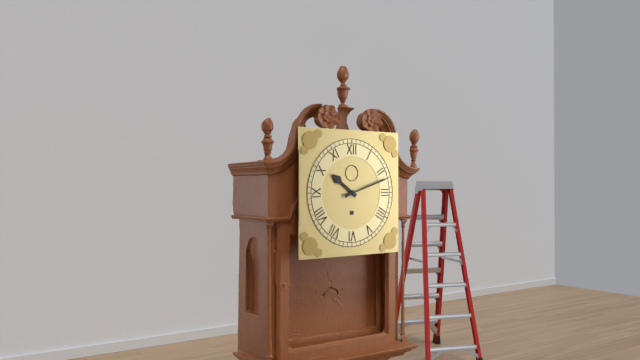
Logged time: 10 h 12 min
